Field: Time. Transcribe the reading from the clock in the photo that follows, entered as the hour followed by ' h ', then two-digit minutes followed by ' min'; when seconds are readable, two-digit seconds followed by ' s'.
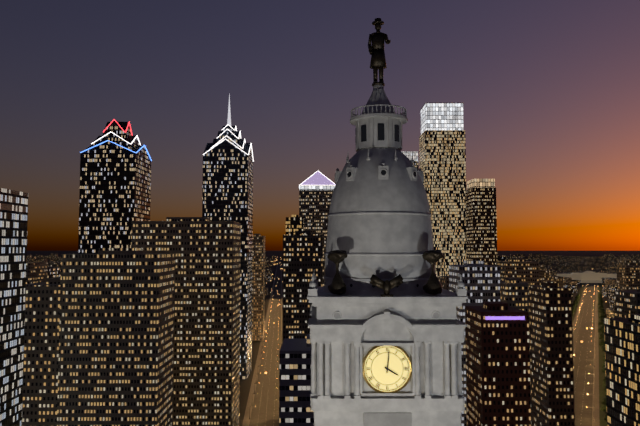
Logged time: 4 h 01 min
